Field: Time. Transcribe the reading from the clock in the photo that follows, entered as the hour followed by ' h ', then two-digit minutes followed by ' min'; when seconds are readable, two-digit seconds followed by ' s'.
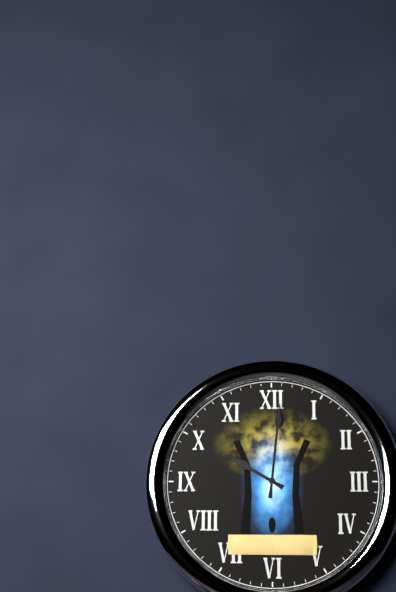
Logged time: 10 h 01 min
